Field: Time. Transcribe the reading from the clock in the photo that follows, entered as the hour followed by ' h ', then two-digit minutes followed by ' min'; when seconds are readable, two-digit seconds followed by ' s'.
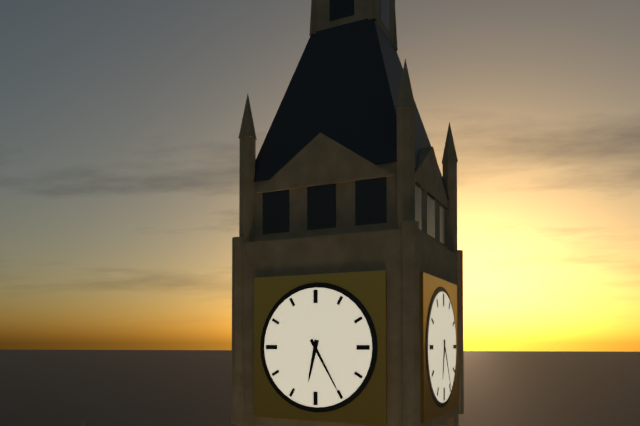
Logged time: 6 h 25 min
